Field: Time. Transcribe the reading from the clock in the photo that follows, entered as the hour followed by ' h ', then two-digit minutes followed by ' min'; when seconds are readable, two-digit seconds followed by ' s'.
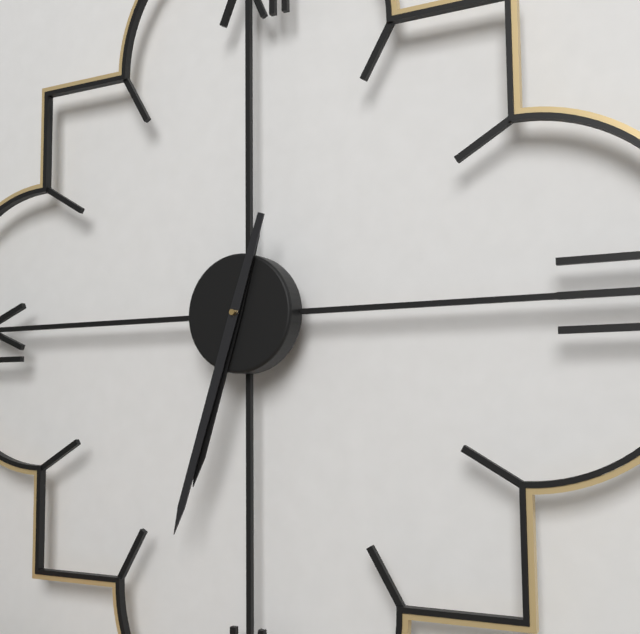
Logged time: 6 h 33 min
